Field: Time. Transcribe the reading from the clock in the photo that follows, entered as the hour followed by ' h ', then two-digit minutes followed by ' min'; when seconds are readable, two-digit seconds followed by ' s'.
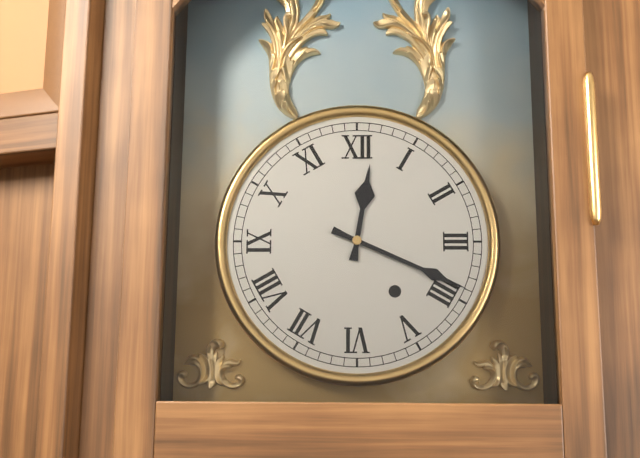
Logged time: 12 h 19 min
